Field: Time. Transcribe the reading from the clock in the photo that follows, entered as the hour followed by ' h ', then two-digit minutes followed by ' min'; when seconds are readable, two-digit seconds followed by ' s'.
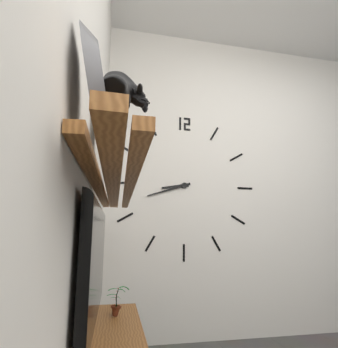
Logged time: 8 h 42 min
